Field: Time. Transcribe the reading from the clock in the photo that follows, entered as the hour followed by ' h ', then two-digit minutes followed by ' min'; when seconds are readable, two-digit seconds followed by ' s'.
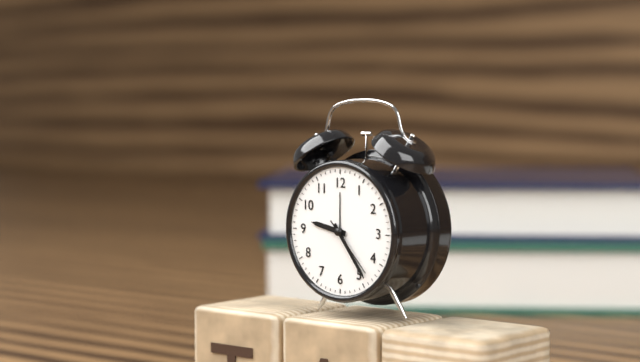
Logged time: 9 h 24 min 23 s
